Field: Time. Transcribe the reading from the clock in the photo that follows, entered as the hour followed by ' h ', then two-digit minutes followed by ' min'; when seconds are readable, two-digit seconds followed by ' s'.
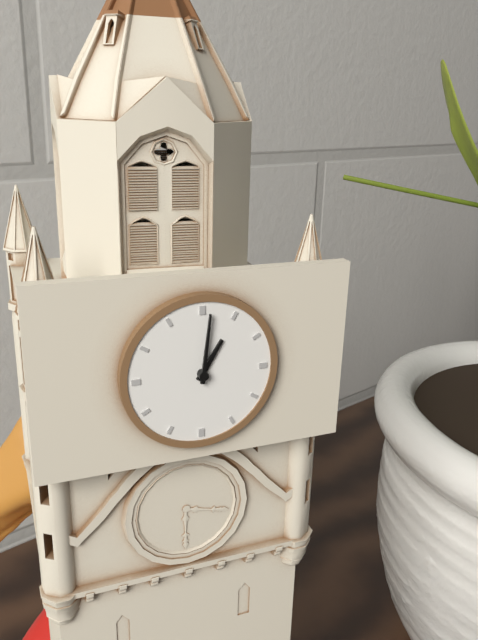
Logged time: 1 h 01 min
